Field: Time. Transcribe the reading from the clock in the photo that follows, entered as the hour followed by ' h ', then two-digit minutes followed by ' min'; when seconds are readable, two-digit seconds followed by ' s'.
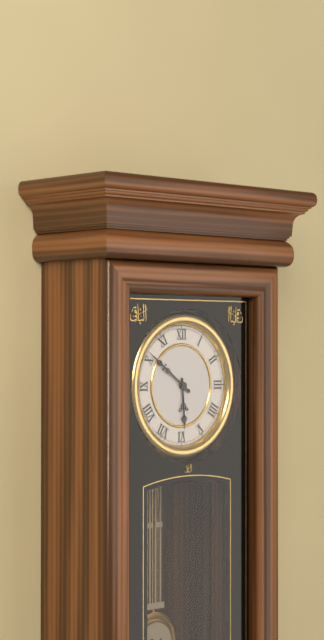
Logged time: 5 h 51 min
